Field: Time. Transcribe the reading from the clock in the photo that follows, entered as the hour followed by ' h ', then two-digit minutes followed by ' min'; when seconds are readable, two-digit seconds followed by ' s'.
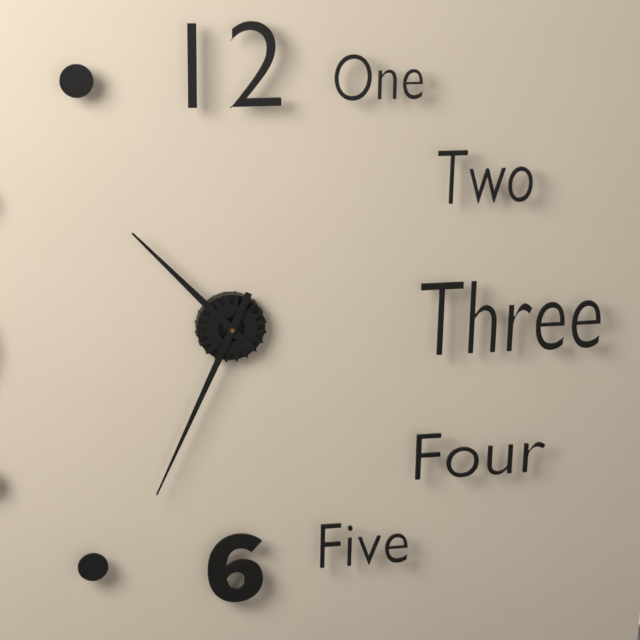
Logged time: 10 h 34 min
